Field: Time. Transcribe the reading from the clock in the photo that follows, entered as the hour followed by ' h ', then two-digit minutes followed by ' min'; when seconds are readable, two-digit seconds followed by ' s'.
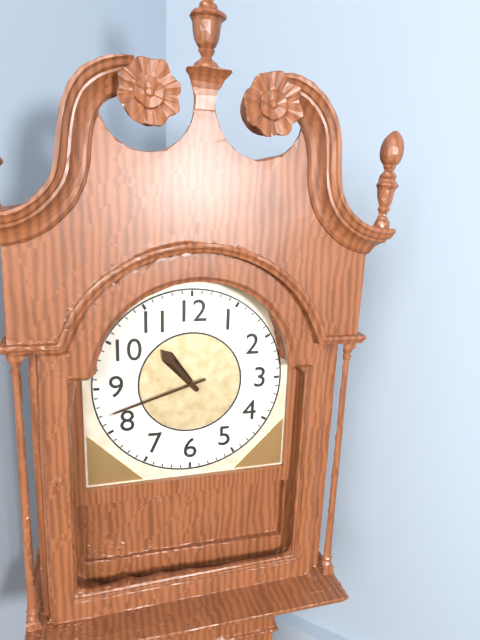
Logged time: 10 h 42 min
